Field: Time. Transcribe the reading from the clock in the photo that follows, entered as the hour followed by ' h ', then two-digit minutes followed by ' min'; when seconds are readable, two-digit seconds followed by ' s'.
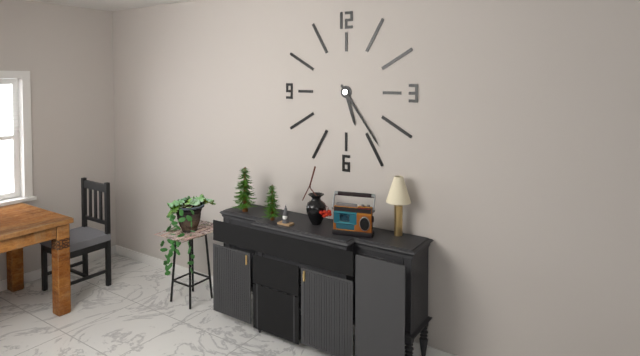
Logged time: 5 h 24 min
